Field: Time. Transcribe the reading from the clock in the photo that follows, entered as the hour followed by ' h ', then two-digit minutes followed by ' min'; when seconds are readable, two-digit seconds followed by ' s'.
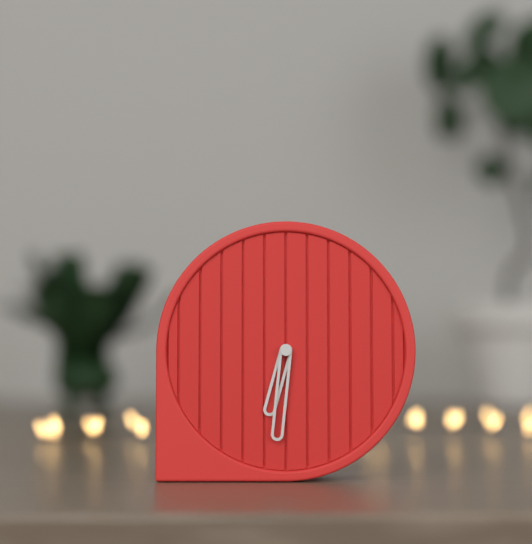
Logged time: 6 h 31 min
